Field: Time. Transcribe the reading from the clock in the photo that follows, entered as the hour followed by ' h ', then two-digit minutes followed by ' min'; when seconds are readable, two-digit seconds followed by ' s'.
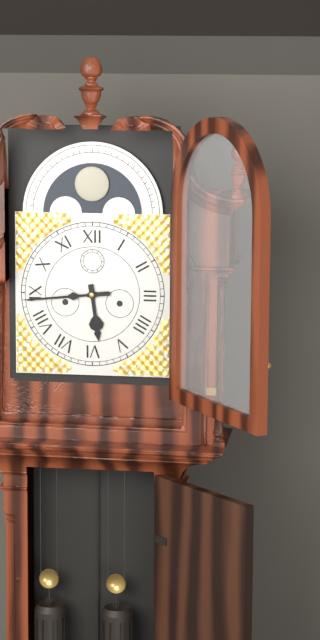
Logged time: 5 h 44 min
